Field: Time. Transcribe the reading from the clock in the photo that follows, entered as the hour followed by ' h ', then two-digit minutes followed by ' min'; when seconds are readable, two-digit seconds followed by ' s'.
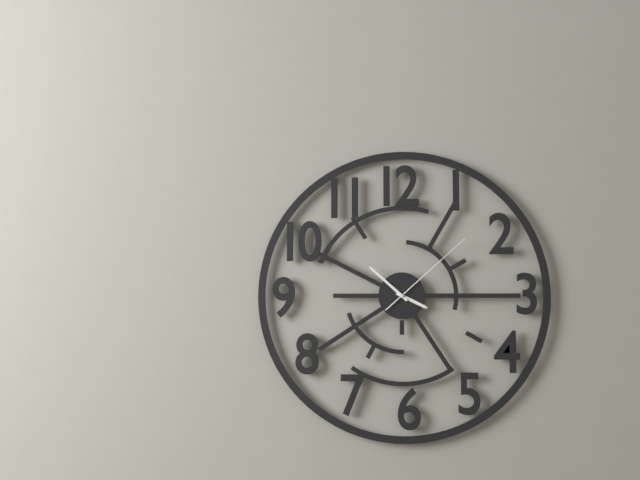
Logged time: 3 h 52 min 08 s
